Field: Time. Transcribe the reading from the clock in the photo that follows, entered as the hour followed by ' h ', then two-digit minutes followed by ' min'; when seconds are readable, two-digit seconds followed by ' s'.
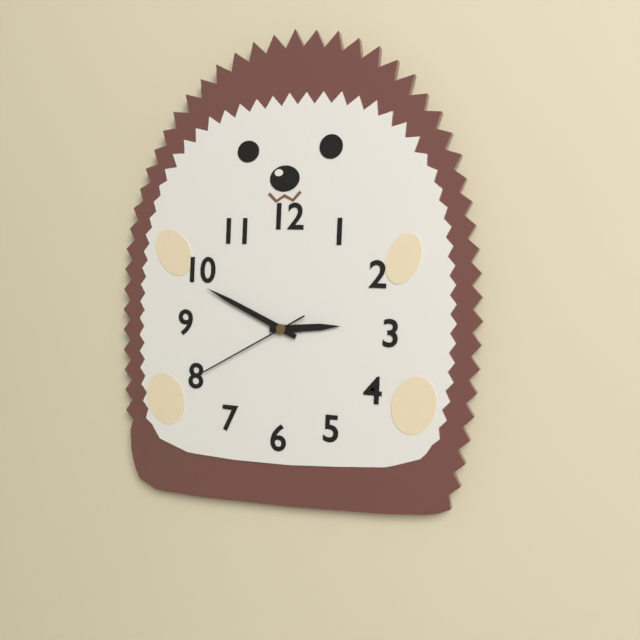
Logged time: 2 h 49 min 40 s
